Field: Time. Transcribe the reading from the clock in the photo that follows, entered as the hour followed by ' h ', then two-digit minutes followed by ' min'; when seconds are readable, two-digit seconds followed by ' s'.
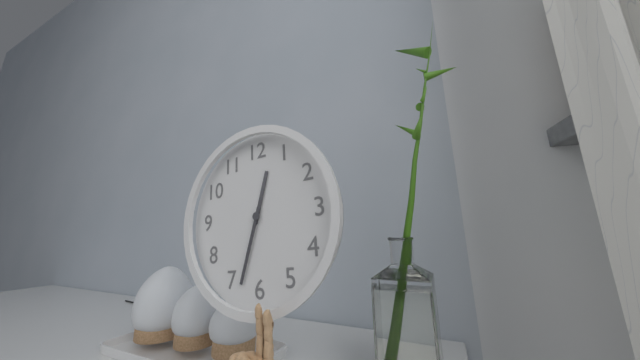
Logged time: 12 h 33 min
